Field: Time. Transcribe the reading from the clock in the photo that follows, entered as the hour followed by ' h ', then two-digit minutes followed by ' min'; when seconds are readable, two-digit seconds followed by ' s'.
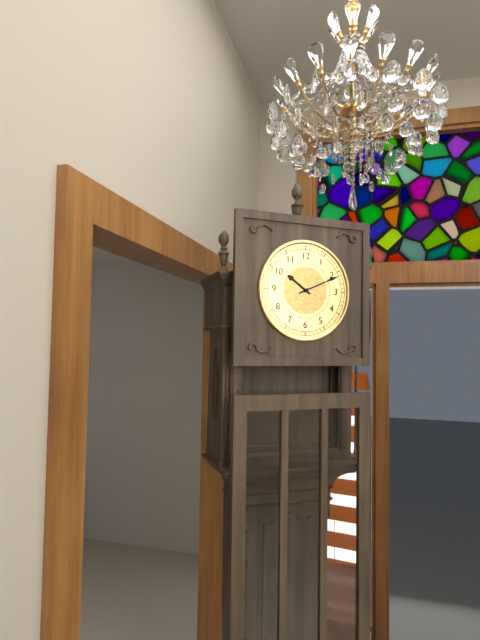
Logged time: 10 h 11 min
